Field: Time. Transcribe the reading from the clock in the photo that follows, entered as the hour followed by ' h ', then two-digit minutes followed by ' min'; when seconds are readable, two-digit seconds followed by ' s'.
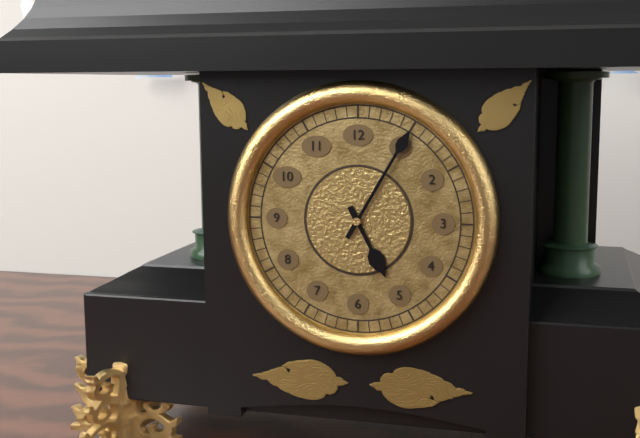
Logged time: 5 h 05 min
